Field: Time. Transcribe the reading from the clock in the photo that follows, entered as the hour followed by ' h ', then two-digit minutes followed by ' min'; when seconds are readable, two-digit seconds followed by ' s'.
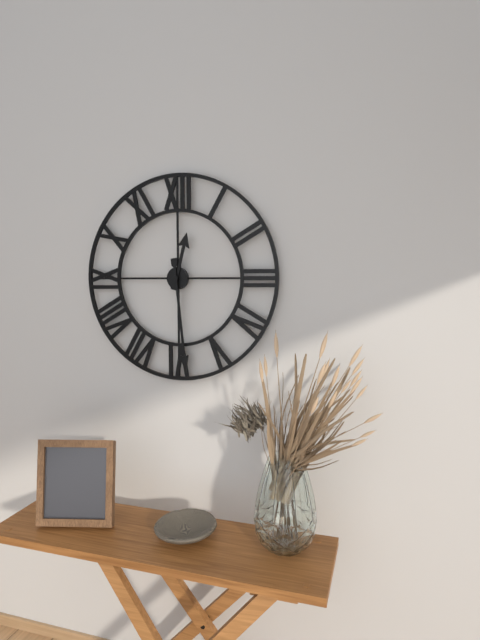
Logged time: 12 h 29 min
